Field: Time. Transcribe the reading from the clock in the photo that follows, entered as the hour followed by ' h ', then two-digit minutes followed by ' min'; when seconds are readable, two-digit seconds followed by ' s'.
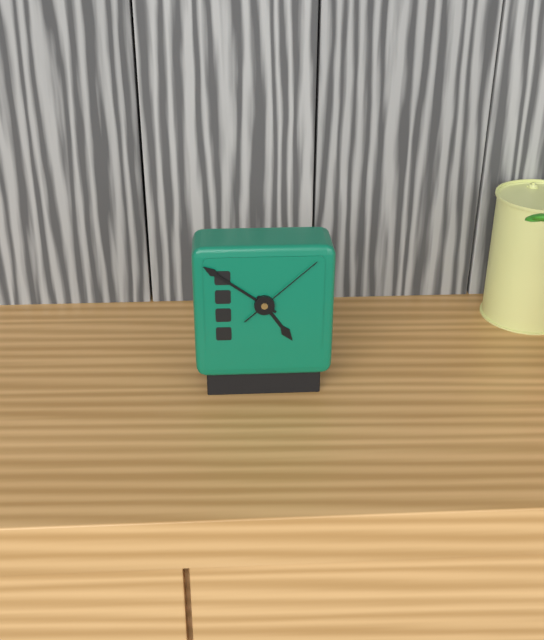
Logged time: 4 h 51 min 08 s
